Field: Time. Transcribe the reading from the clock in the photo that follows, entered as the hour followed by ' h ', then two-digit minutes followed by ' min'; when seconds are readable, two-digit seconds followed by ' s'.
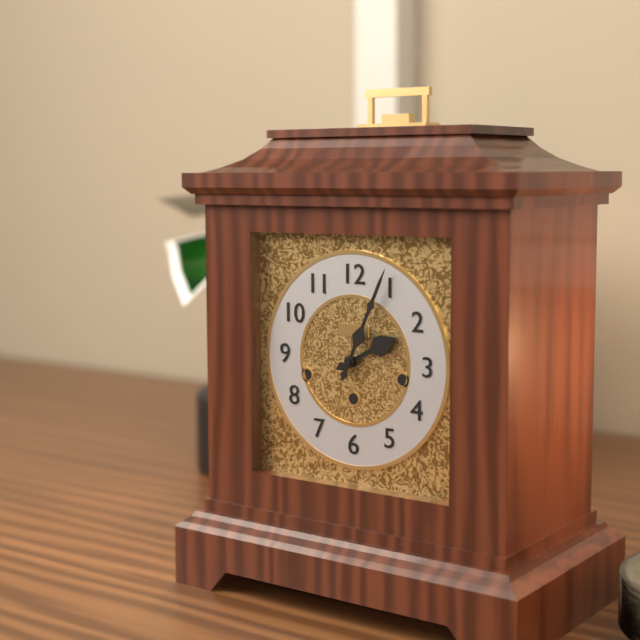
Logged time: 2 h 04 min
